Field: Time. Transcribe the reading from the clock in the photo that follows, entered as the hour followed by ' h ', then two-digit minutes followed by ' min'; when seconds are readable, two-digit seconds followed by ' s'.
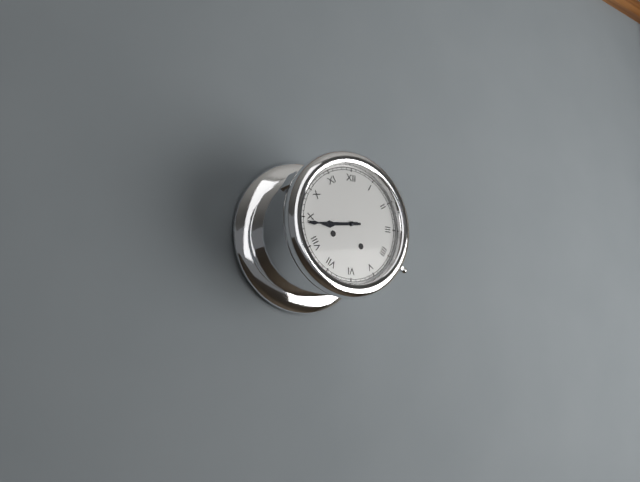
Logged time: 8 h 44 min
